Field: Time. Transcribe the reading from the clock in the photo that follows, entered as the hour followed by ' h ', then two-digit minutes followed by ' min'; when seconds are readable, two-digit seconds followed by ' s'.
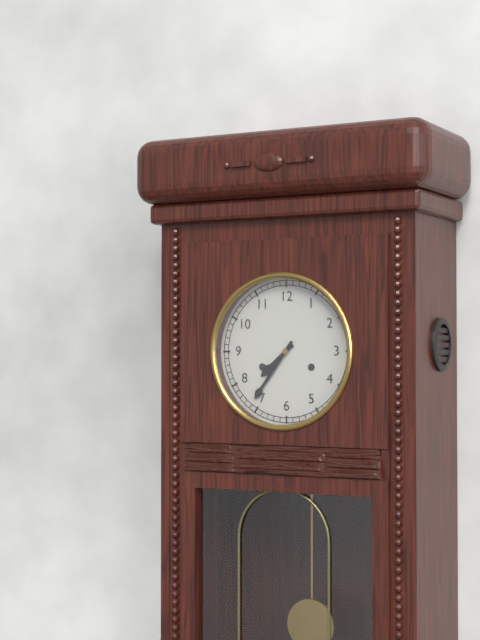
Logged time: 7 h 36 min
